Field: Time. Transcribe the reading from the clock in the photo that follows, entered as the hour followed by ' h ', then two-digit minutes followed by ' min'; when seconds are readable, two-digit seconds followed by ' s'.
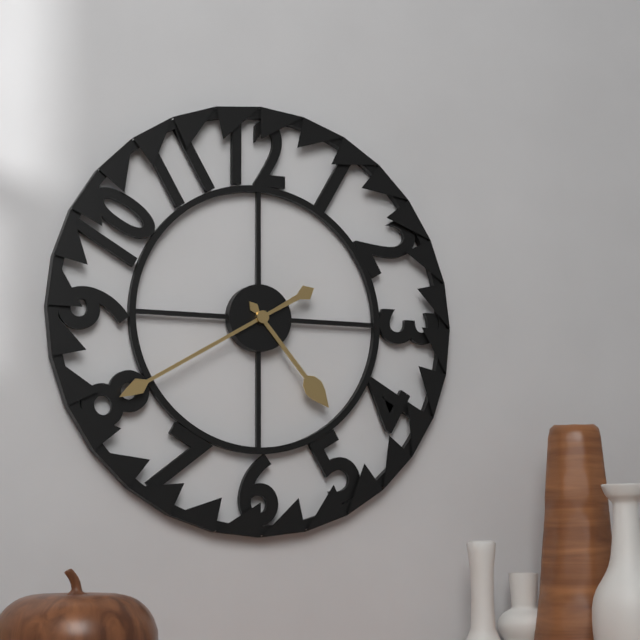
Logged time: 4 h 40 min
